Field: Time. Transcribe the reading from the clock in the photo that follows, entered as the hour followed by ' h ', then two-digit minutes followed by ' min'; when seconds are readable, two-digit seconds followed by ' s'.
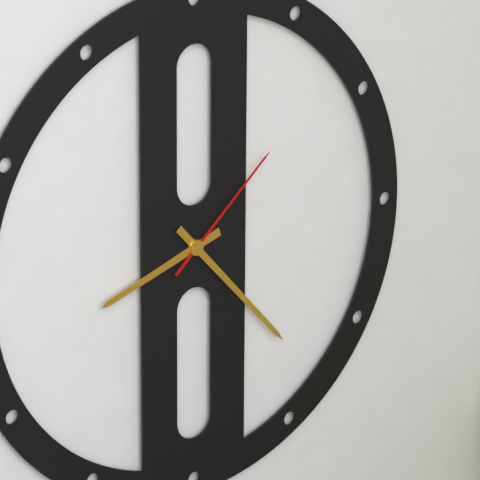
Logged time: 8 h 23 min 08 s
